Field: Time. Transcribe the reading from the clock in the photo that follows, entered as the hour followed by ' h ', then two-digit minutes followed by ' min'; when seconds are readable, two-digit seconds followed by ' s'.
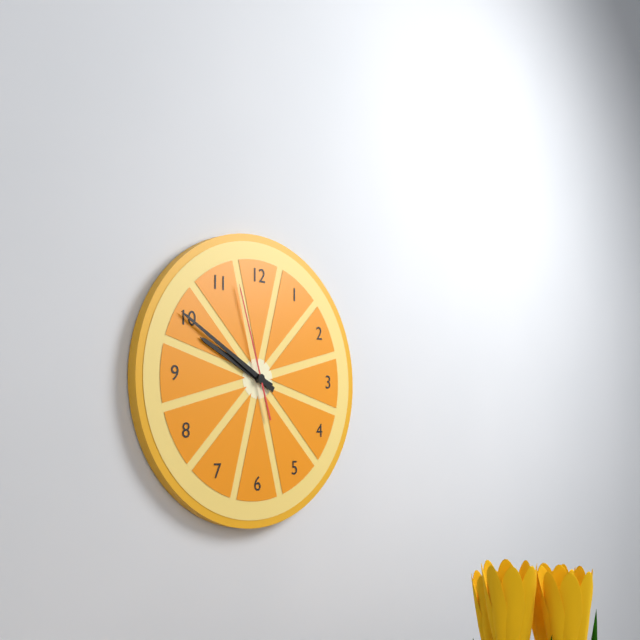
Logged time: 9 h 50 min 57 s
